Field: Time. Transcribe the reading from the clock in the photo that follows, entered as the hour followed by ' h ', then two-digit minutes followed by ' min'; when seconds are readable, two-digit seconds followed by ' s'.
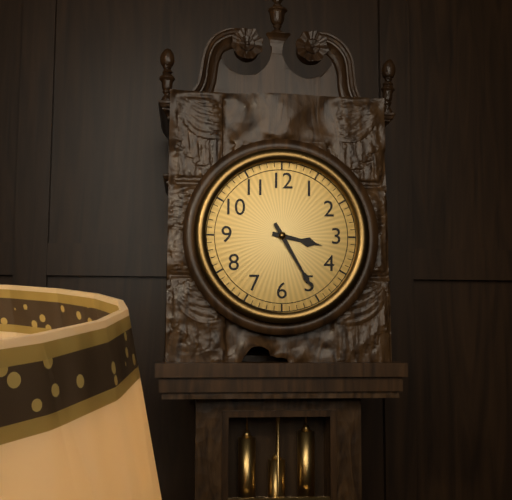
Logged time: 3 h 25 min
